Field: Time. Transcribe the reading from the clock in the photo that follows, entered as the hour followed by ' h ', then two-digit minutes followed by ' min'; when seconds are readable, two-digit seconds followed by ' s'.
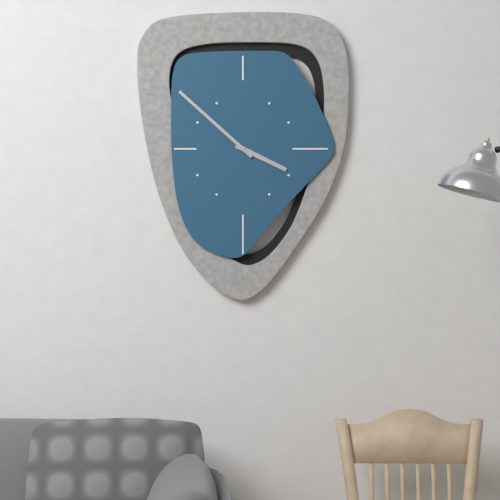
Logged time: 3 h 52 min
